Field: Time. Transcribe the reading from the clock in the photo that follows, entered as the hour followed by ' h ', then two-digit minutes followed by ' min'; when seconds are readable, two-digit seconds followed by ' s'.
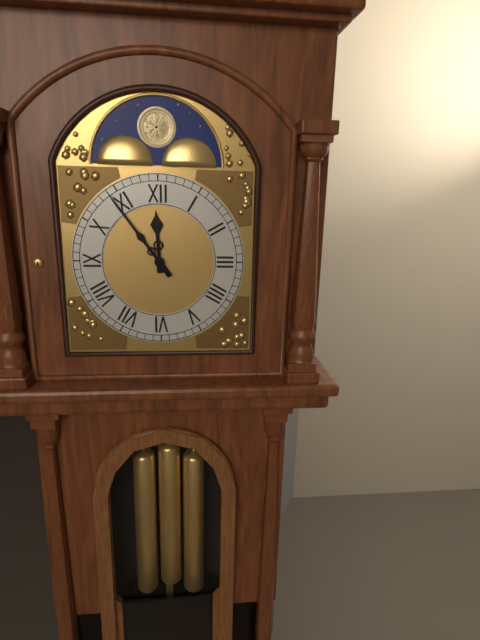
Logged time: 11 h 54 min
